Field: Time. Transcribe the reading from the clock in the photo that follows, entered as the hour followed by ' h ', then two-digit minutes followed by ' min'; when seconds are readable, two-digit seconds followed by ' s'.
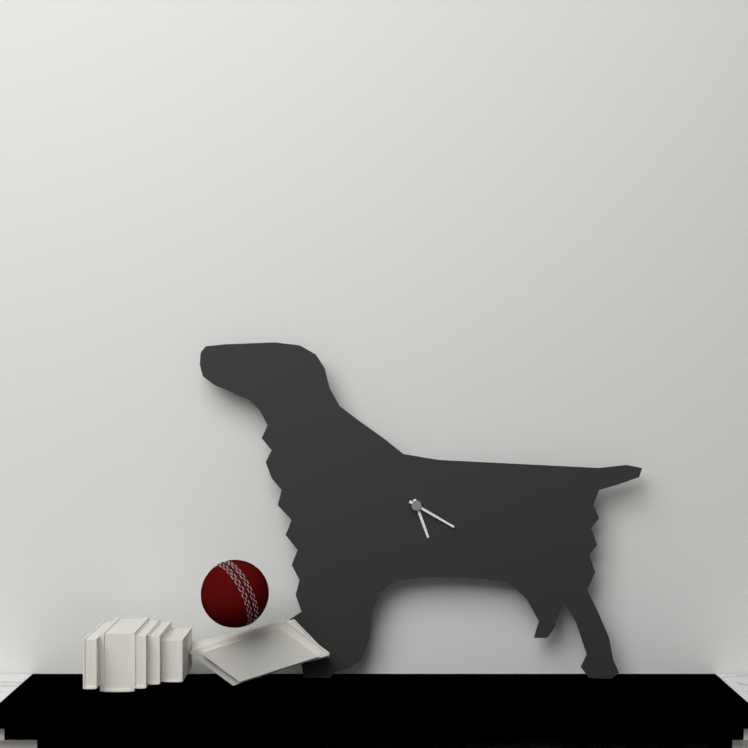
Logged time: 5 h 20 min
